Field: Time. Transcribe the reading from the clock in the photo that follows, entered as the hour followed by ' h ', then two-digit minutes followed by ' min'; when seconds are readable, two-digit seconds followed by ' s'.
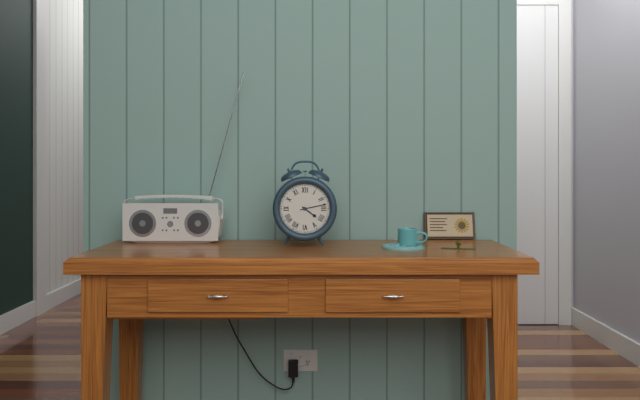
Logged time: 4 h 13 min
